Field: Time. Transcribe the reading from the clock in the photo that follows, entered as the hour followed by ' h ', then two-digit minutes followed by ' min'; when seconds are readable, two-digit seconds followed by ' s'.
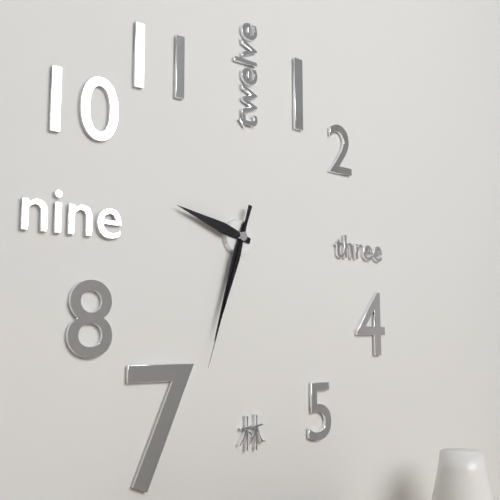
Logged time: 9 h 33 min 33 s
